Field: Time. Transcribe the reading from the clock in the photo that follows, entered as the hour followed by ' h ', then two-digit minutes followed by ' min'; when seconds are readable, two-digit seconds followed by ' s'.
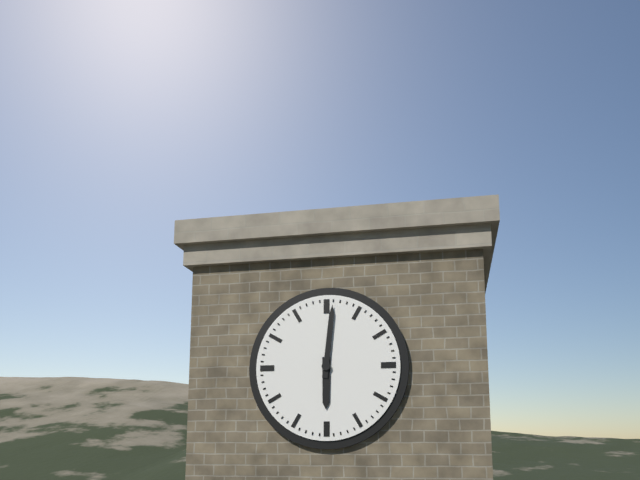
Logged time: 6 h 01 min
